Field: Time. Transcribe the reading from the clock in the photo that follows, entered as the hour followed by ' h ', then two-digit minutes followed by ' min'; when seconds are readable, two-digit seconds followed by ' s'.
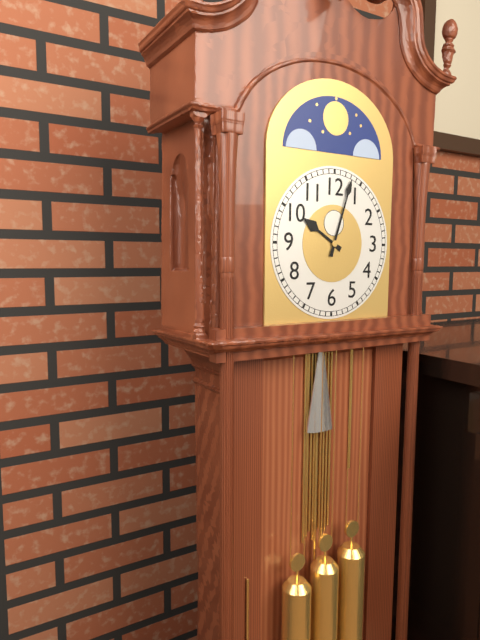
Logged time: 10 h 03 min
